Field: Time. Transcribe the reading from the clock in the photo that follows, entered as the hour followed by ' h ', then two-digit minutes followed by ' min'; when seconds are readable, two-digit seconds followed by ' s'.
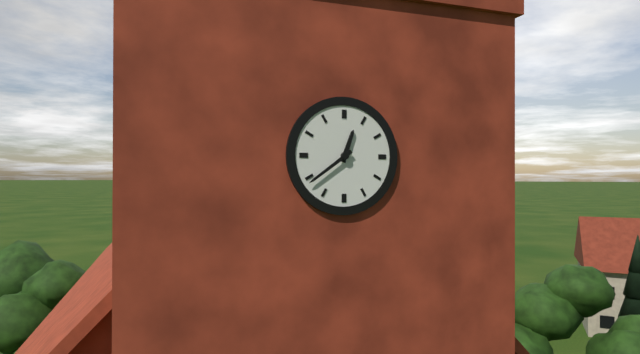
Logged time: 12 h 39 min
